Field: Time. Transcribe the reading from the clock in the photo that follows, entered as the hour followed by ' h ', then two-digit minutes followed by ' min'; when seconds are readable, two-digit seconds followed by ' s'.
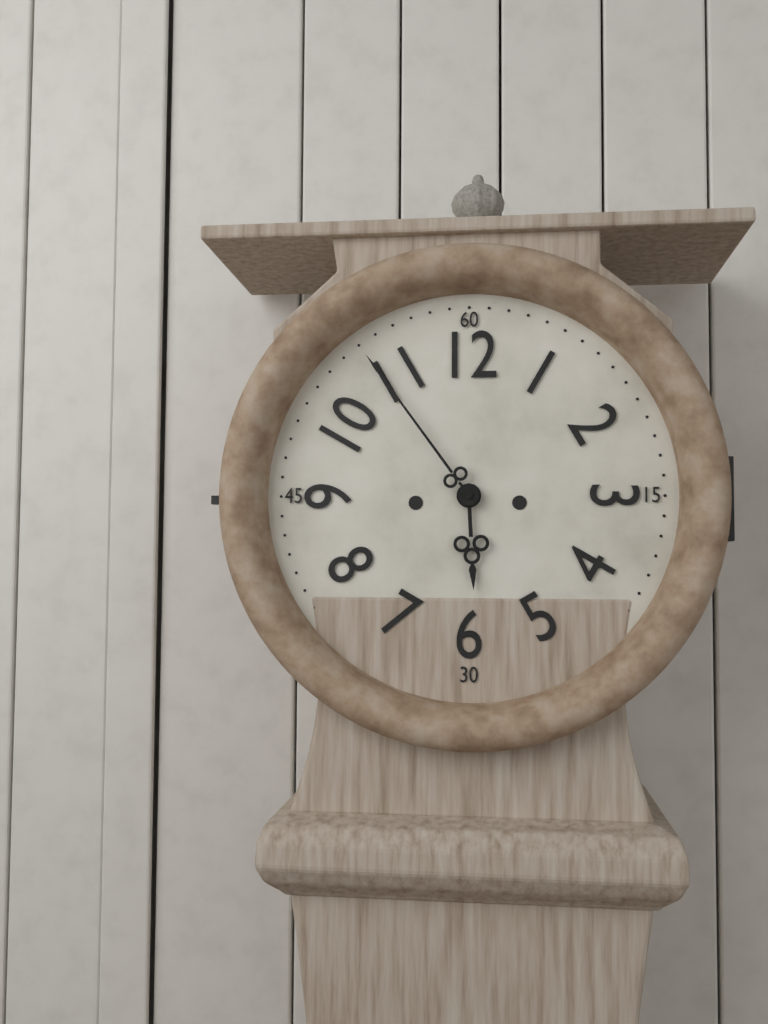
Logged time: 5 h 54 min
